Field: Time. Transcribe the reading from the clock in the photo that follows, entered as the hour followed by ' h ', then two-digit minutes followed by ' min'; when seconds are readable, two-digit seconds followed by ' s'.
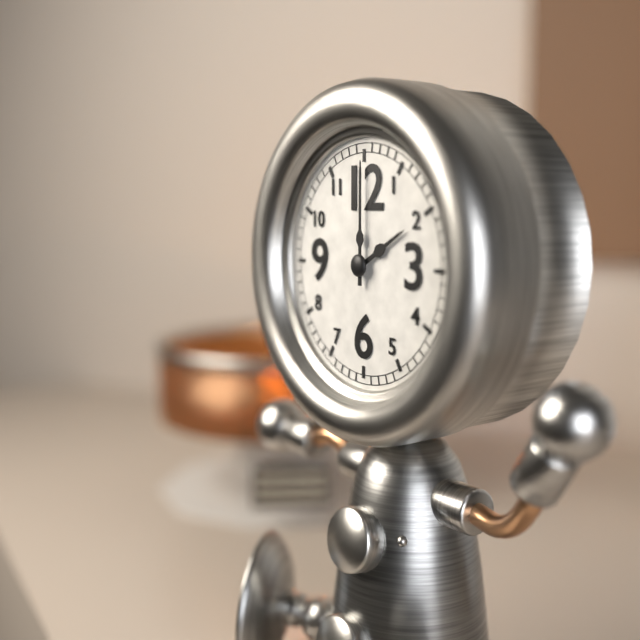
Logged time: 2 h 00 min
